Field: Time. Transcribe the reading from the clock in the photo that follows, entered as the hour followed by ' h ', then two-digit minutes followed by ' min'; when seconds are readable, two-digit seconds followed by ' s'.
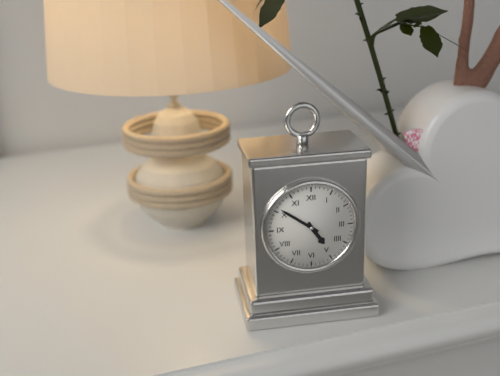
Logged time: 4 h 51 min
